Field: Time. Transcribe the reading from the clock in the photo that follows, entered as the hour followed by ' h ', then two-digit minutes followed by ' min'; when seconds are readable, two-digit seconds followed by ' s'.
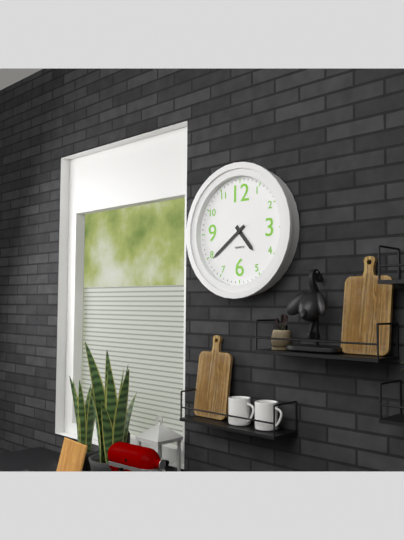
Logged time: 4 h 39 min
